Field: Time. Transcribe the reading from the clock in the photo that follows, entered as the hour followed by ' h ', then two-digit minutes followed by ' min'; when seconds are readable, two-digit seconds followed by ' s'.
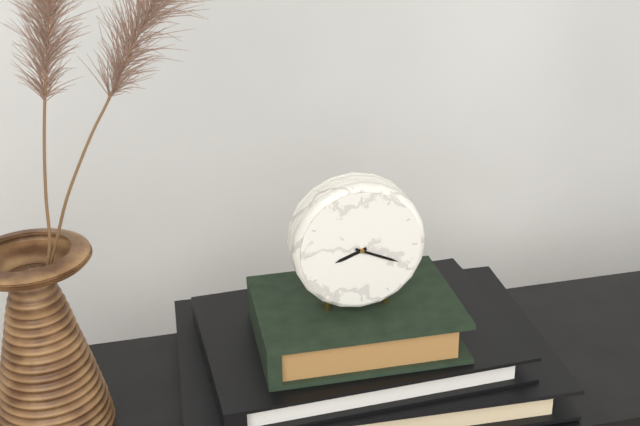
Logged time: 8 h 19 min
